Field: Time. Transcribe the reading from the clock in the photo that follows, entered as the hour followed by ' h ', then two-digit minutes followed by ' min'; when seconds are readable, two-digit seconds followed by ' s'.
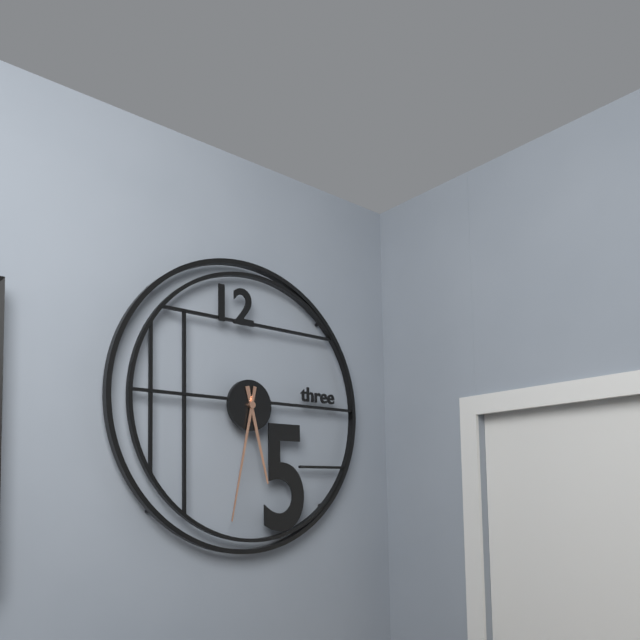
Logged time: 5 h 32 min
